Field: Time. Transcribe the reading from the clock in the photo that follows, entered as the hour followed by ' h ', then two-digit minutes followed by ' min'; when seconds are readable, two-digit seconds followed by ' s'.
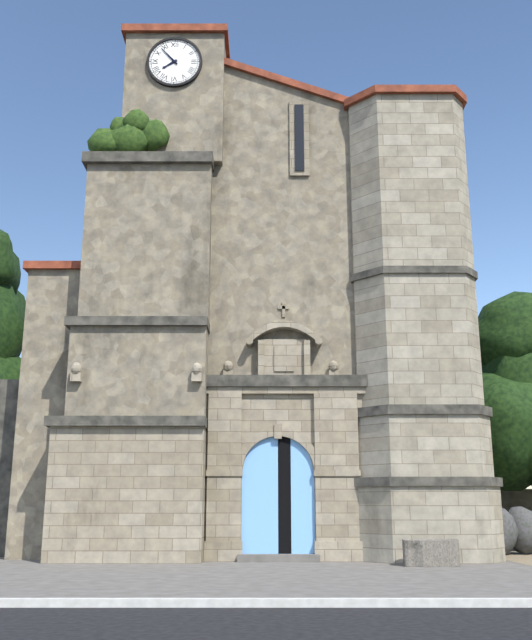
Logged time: 7 h 53 min
